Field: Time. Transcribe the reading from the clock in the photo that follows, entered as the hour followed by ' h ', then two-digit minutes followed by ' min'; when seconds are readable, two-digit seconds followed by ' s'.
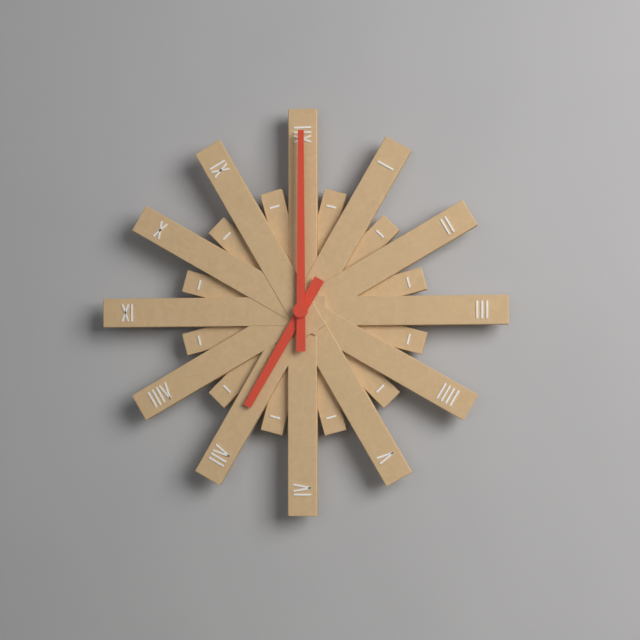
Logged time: 7 h 00 min
